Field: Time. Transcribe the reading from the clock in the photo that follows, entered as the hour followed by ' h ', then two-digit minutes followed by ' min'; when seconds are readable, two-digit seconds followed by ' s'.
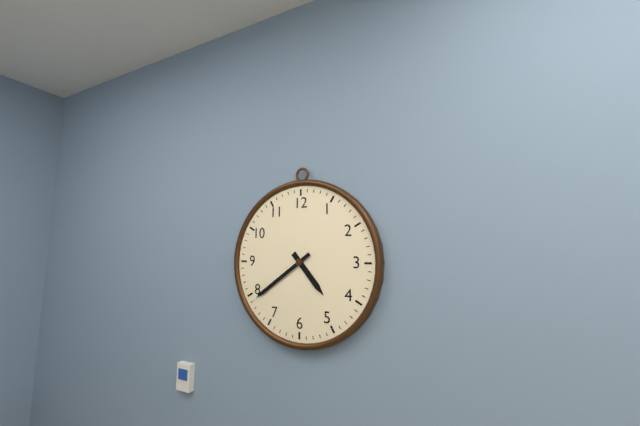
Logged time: 4 h 39 min
